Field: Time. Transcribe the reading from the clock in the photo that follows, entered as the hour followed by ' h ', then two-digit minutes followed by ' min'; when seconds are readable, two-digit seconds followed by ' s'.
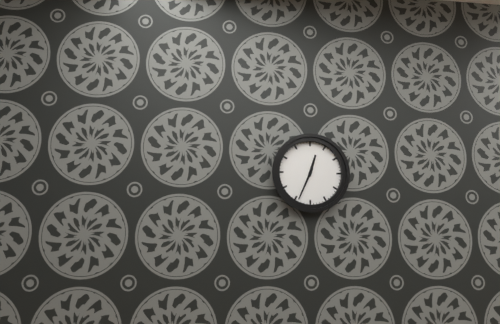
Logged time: 12 h 34 min
